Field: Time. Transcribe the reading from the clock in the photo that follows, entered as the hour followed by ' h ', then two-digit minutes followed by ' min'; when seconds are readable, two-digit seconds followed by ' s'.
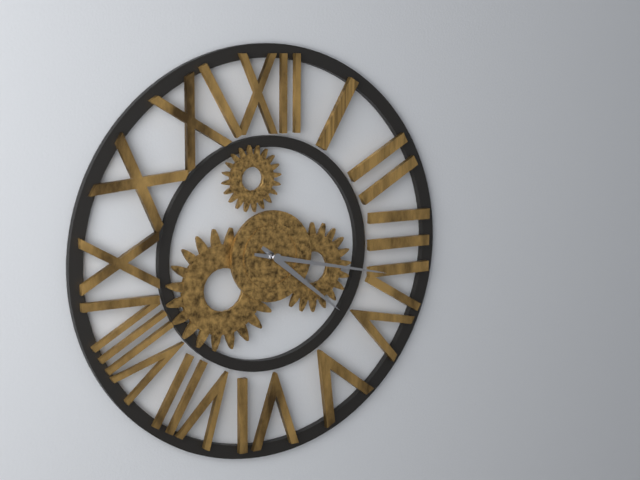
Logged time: 4 h 17 min
